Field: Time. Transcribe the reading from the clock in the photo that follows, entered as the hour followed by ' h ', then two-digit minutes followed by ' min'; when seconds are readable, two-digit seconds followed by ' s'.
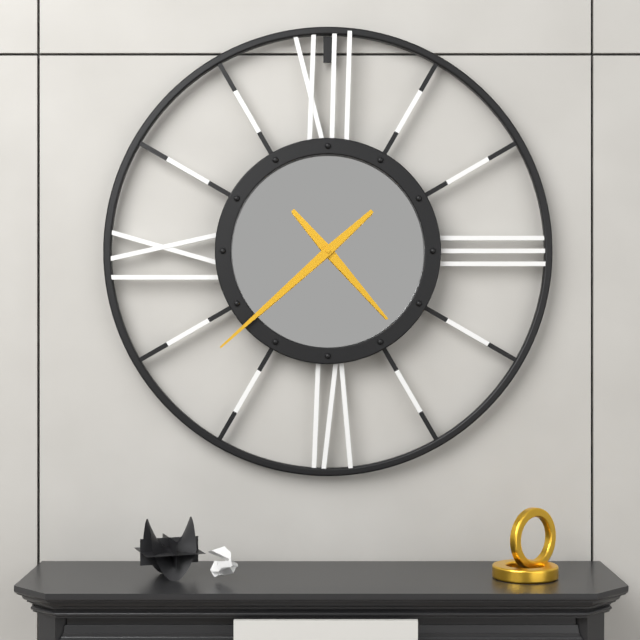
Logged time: 4 h 38 min
